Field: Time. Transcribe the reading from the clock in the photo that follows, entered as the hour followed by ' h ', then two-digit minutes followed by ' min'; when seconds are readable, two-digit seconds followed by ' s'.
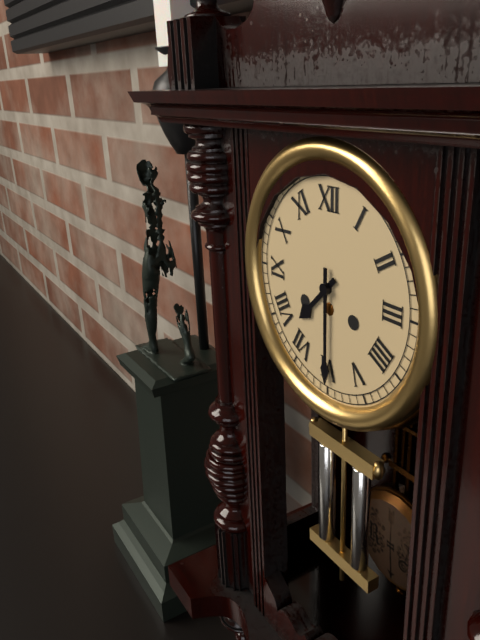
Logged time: 7 h 30 min
